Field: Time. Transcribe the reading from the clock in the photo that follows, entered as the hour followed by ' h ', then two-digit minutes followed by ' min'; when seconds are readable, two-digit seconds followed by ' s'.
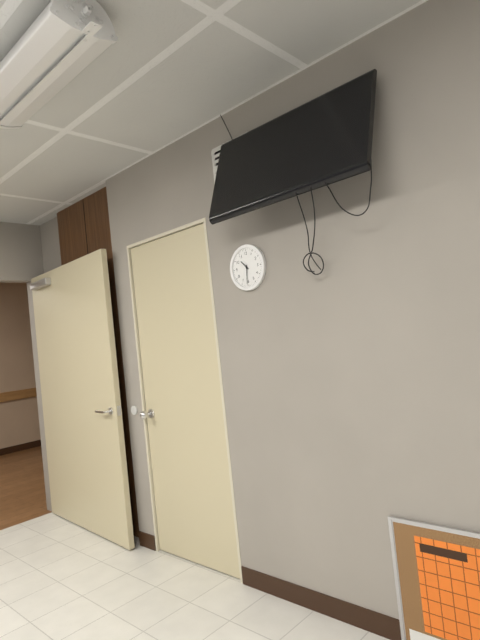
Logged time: 10 h 31 min
